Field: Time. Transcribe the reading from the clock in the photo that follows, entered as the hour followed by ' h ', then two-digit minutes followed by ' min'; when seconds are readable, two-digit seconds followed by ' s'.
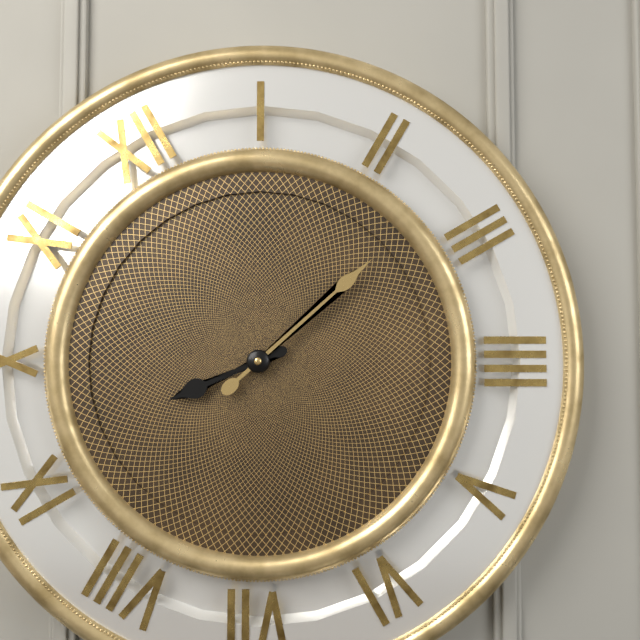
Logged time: 9 h 13 min
